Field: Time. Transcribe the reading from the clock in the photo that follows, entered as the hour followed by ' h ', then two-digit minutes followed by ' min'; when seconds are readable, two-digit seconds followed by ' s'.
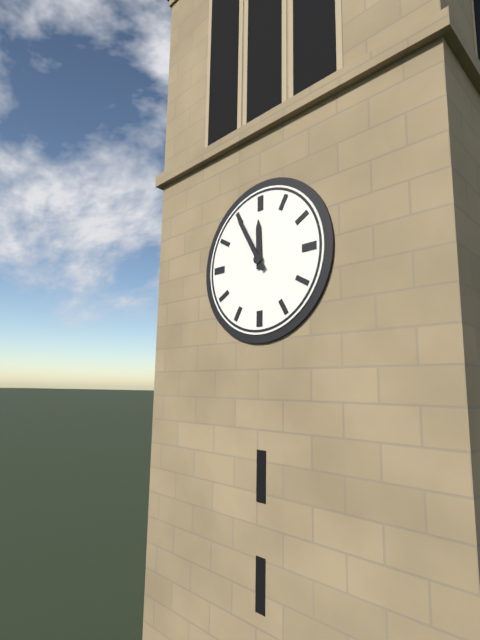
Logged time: 11 h 55 min
